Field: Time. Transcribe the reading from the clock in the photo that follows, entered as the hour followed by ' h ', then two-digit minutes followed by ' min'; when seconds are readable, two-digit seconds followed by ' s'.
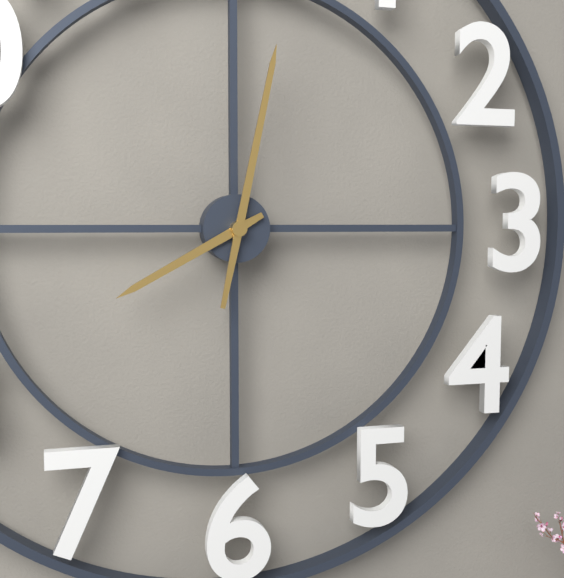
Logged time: 8 h 02 min
